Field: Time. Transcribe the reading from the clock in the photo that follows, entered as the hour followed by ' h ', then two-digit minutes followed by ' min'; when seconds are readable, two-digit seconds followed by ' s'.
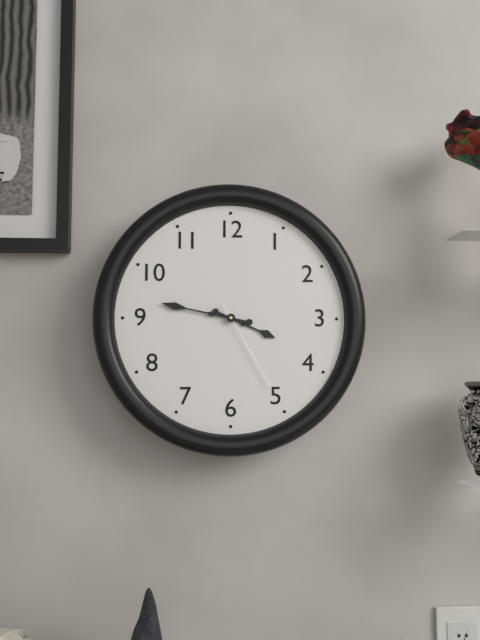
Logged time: 3 h 47 min 25 s
